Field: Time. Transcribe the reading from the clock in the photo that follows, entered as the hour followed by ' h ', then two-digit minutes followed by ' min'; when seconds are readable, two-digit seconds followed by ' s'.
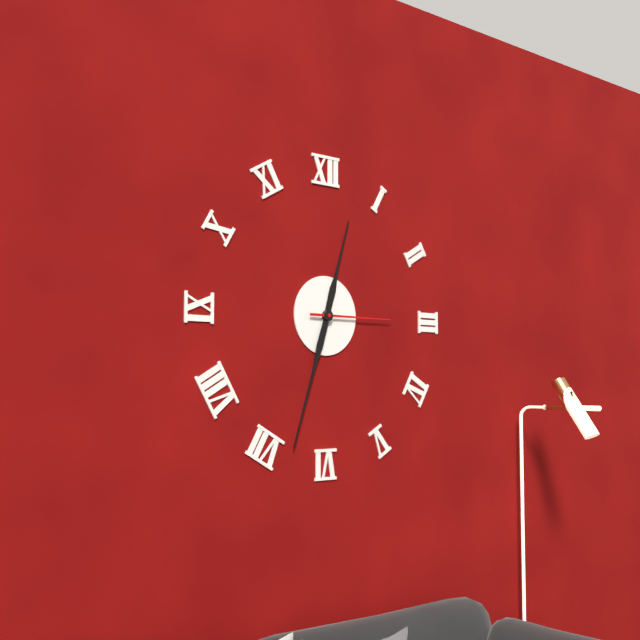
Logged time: 12 h 33 min 15 s
